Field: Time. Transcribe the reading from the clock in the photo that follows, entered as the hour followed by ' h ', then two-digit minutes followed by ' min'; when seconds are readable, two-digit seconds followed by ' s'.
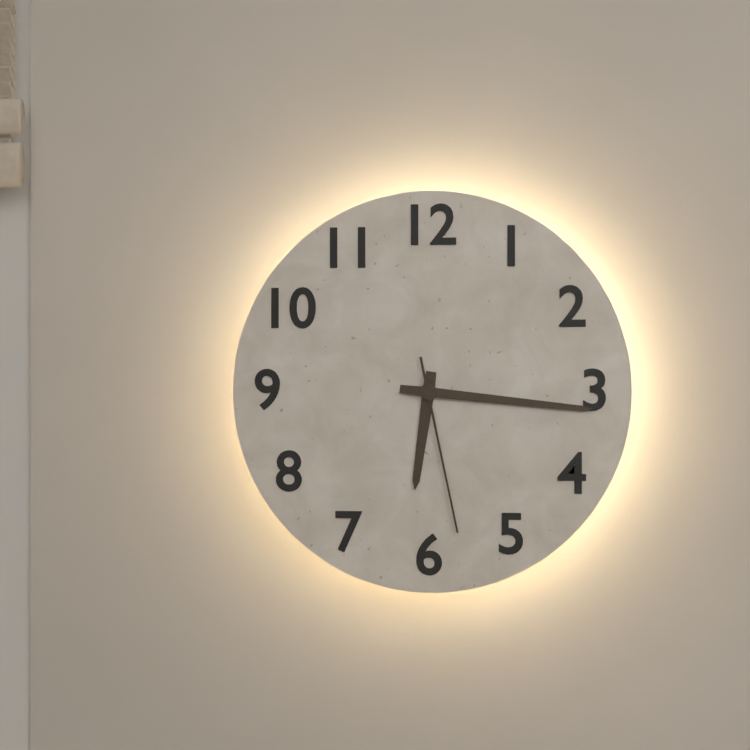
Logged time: 6 h 16 min 28 s
